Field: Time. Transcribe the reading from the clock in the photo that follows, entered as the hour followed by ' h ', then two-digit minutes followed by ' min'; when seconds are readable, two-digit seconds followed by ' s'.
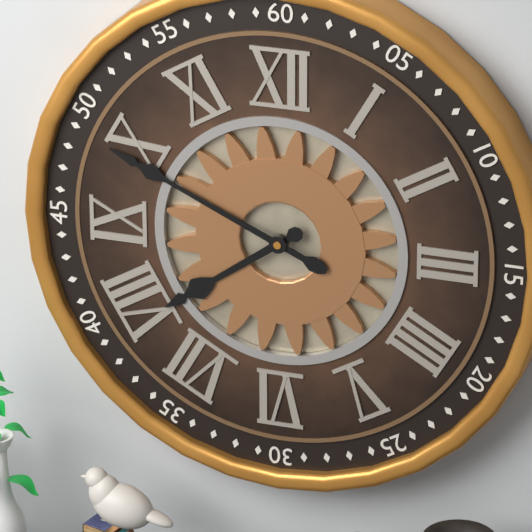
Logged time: 7 h 49 min
